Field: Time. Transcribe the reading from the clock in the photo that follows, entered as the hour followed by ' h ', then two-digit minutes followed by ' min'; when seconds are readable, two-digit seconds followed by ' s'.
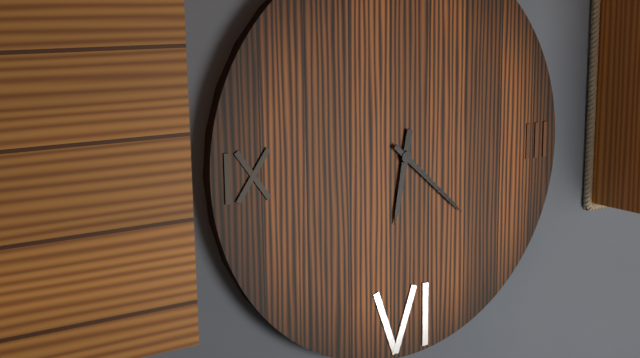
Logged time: 6 h 22 min
